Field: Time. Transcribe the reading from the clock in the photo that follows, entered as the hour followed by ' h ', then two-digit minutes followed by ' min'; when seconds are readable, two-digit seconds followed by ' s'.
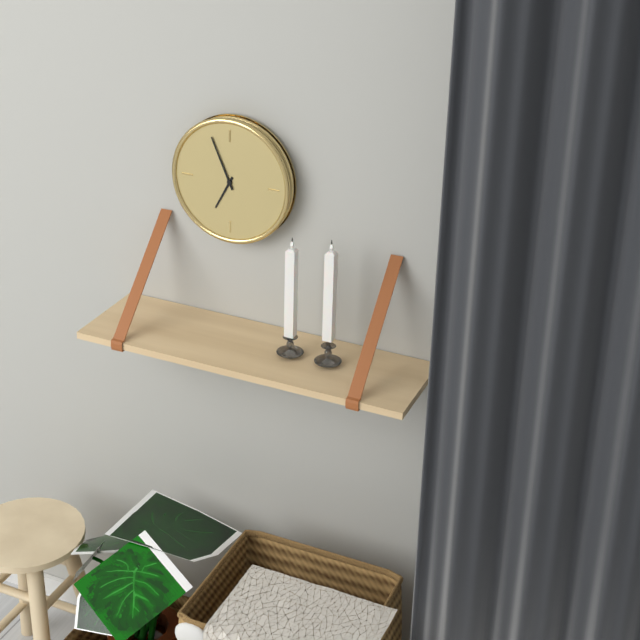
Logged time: 6 h 56 min
